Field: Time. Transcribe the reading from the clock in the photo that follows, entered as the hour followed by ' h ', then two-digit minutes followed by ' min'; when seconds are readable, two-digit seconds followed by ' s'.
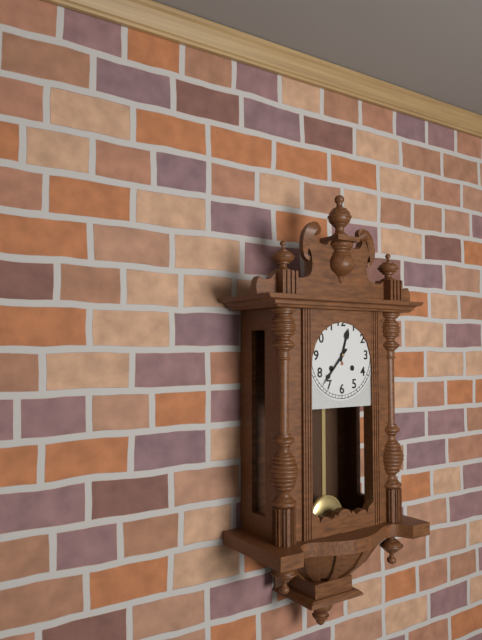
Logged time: 12 h 37 min
